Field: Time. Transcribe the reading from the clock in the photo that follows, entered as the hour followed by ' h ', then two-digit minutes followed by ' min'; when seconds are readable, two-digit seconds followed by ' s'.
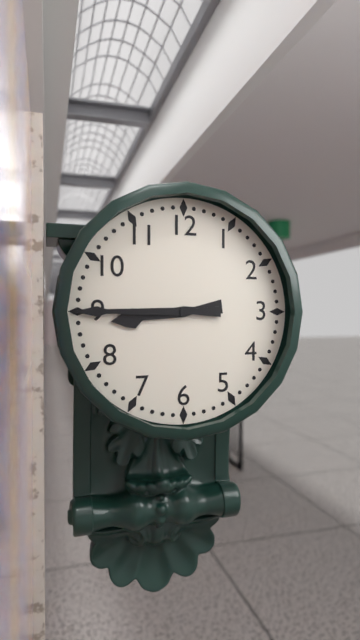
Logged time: 8 h 45 min
